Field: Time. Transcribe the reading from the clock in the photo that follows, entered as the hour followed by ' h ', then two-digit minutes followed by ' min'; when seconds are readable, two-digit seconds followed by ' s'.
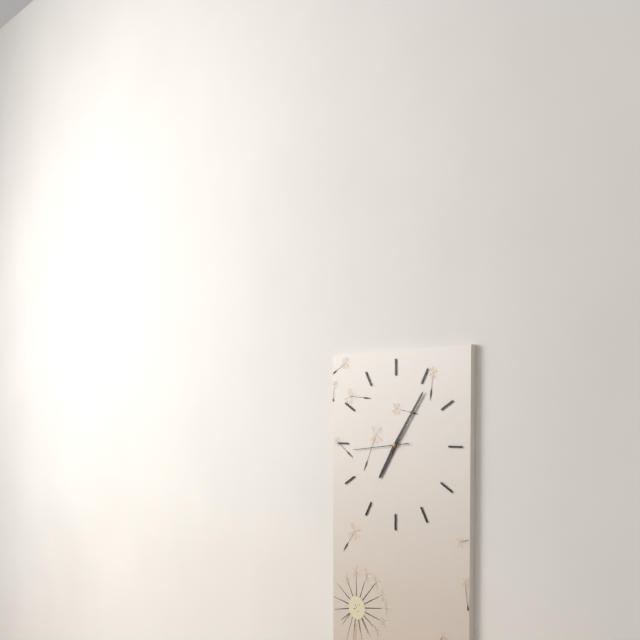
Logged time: 7 h 06 min 44 s
